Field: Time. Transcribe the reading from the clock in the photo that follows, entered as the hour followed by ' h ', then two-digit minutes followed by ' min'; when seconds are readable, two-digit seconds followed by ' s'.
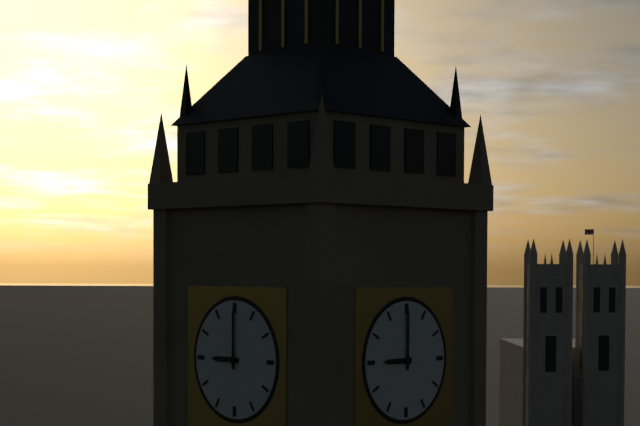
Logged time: 9 h 00 min
